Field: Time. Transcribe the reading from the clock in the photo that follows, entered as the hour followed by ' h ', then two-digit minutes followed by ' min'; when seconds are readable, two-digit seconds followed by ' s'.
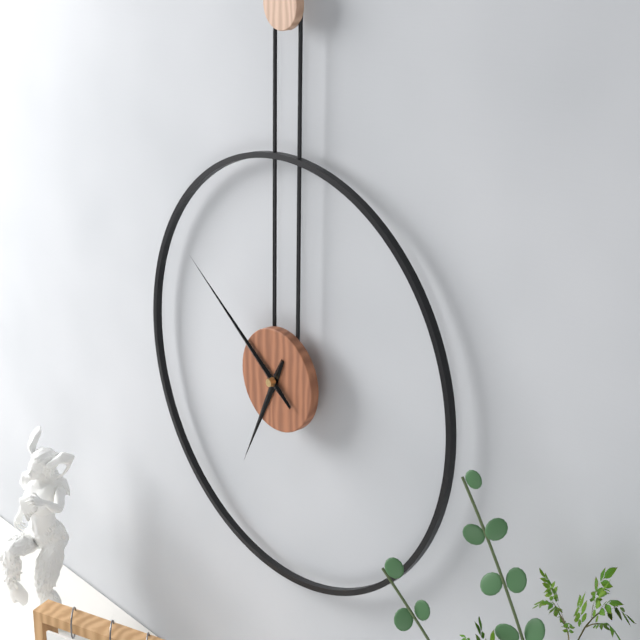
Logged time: 6 h 51 min
